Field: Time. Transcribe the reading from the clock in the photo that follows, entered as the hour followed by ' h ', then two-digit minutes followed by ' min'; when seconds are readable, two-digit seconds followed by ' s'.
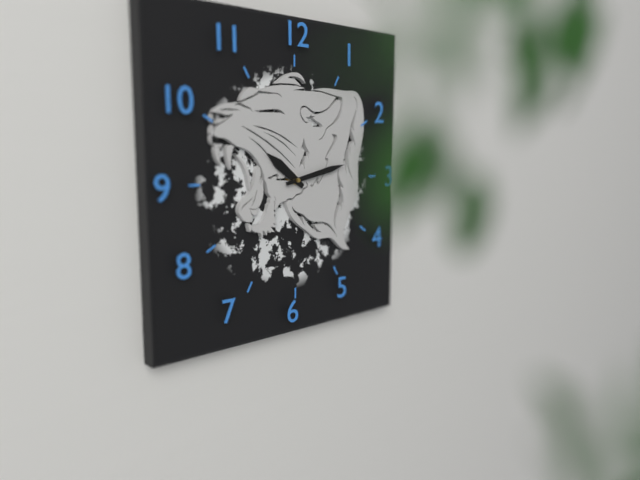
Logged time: 10 h 13 min
